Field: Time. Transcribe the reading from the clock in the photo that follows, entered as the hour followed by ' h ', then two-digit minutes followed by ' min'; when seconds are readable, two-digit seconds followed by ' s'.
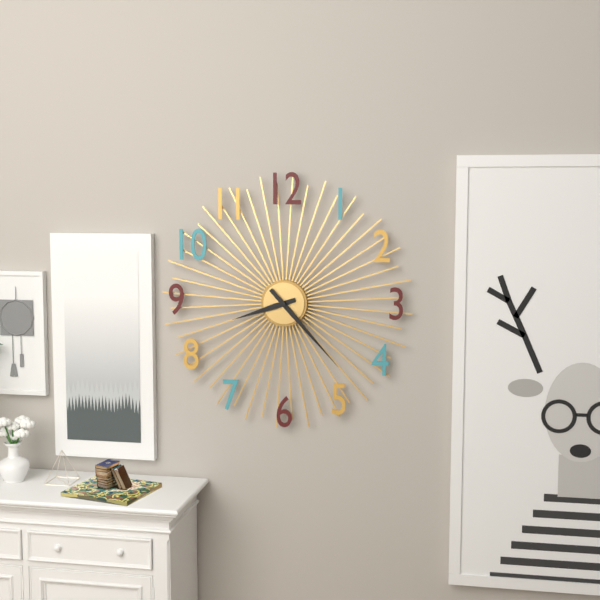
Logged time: 8 h 23 min
